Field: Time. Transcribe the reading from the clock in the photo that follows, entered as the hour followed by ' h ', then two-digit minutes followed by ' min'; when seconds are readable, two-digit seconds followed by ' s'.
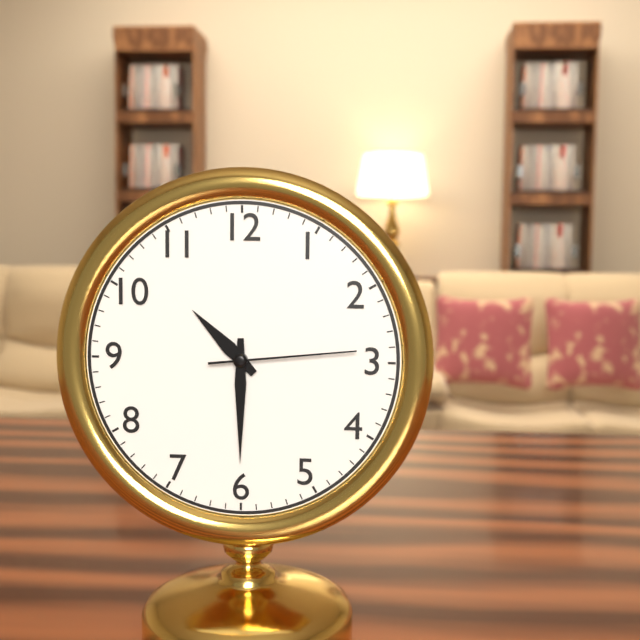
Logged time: 10 h 30 min 14 s
